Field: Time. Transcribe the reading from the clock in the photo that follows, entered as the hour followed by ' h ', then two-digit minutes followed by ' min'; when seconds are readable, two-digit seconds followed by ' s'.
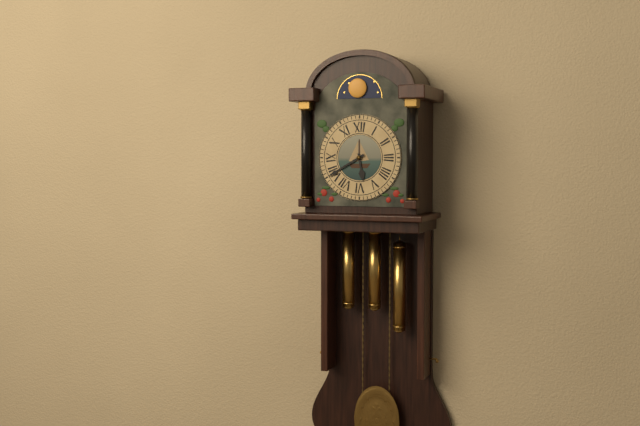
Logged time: 5 h 40 min
